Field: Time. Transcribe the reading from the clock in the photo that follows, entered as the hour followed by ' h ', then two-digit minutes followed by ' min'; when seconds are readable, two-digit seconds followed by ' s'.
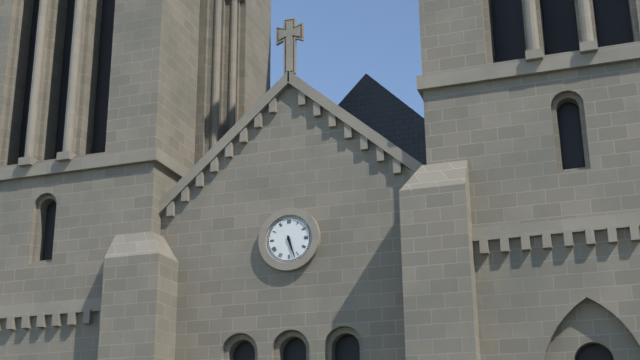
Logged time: 5 h 27 min
